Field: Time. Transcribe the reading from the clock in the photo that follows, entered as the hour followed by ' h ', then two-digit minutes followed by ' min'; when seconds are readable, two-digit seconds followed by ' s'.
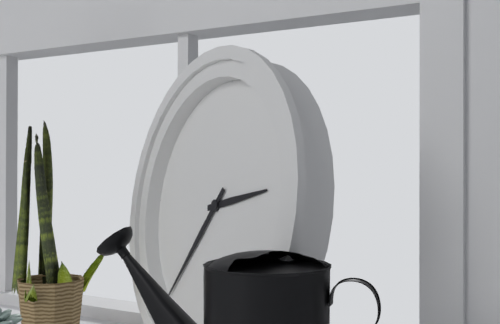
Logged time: 2 h 36 min
